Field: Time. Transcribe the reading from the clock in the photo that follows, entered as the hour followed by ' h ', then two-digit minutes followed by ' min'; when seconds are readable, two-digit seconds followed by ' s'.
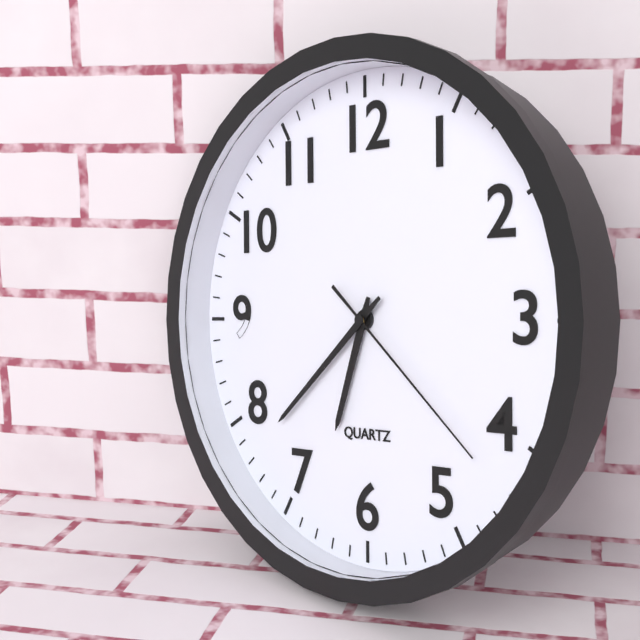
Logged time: 6 h 38 min 22 s
